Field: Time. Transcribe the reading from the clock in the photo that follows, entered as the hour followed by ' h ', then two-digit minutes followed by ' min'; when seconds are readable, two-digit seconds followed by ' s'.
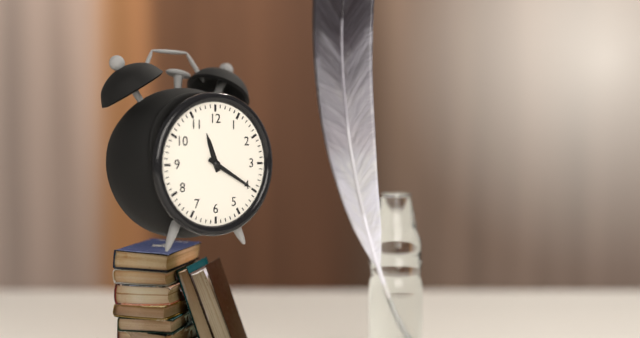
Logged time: 11 h 20 min
